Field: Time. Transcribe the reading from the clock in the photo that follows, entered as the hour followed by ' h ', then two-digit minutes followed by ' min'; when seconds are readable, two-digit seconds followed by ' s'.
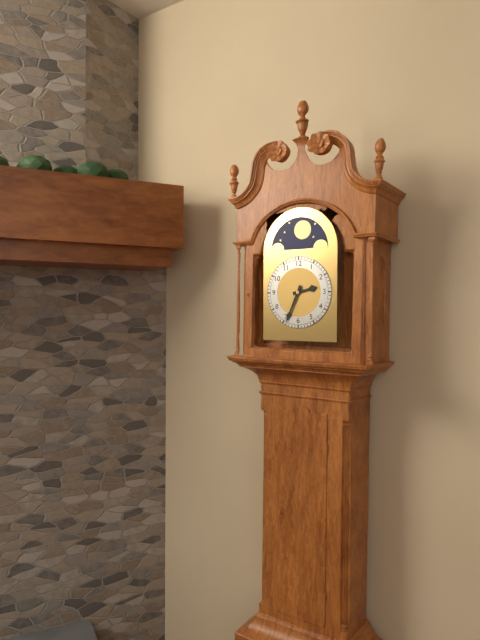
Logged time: 2 h 34 min
